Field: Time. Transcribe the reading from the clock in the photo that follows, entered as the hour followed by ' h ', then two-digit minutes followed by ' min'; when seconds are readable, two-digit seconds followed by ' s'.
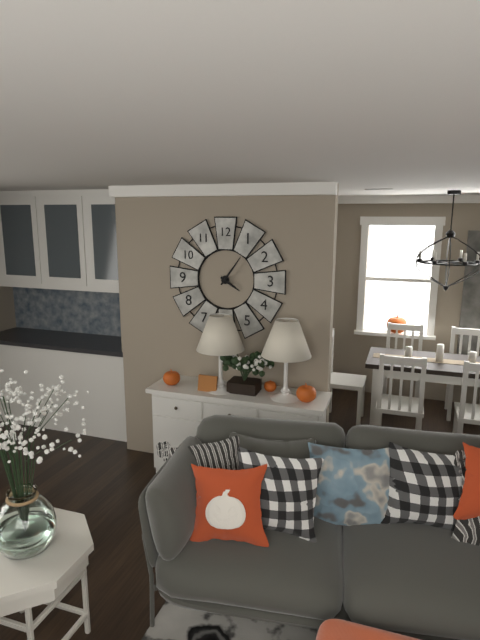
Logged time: 4 h 06 min
